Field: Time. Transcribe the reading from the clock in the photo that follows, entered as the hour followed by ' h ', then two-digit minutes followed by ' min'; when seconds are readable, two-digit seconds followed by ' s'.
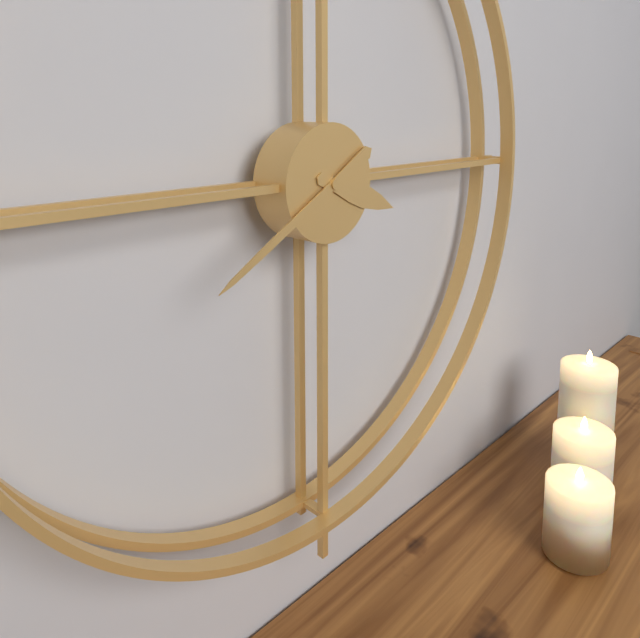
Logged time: 3 h 40 min
